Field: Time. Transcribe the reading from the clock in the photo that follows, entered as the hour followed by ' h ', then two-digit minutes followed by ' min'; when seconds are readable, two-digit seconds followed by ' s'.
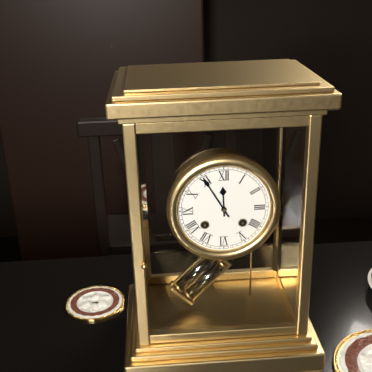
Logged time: 11 h 55 min
